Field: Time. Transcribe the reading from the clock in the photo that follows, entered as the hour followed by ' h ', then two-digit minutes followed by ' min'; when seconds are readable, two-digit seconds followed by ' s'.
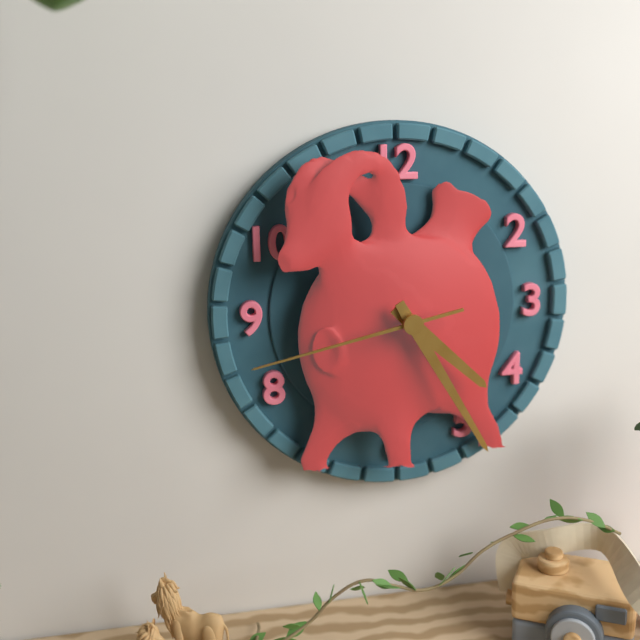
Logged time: 4 h 25 min 43 s
